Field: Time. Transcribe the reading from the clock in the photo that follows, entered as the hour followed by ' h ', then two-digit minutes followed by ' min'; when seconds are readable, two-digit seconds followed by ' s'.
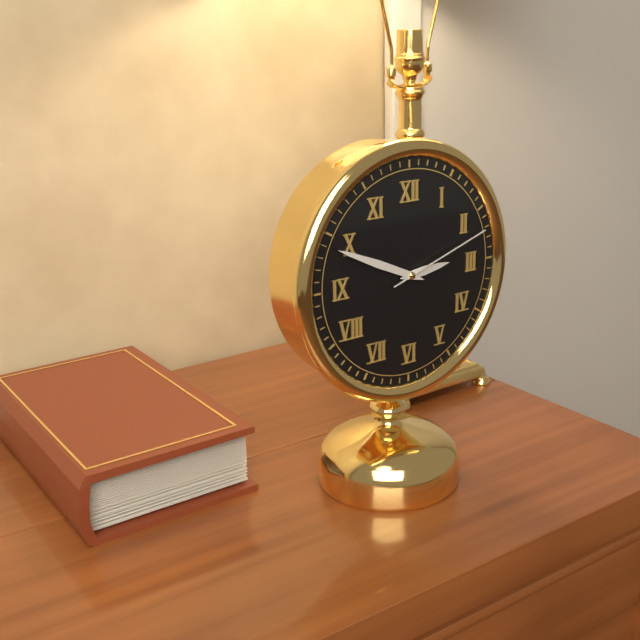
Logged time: 2 h 49 min 12 s
